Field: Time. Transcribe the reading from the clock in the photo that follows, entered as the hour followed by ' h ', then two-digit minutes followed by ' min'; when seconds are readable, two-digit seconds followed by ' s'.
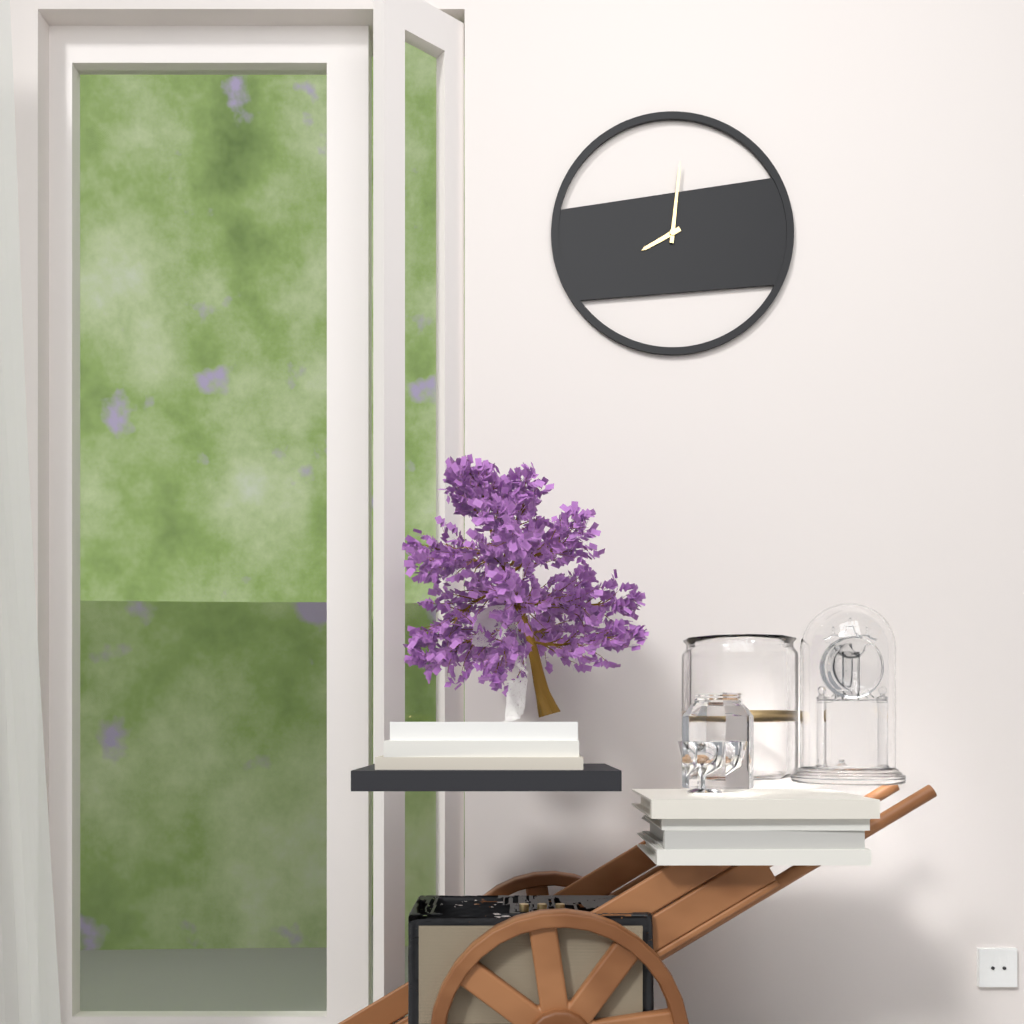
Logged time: 8 h 01 min
